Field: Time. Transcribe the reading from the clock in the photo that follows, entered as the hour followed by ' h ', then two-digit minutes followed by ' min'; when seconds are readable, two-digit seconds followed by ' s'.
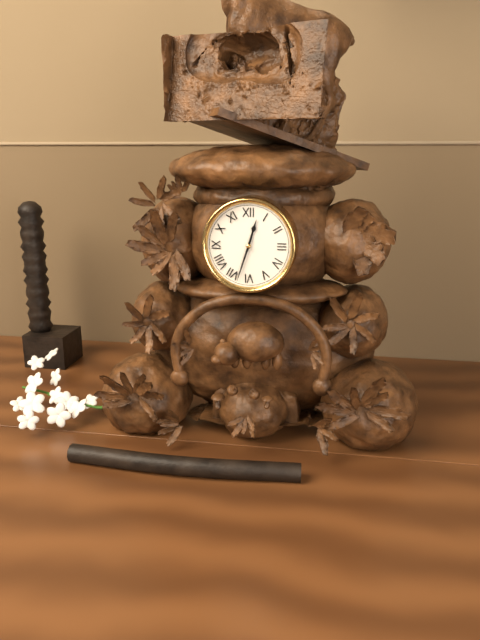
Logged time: 12 h 33 min
